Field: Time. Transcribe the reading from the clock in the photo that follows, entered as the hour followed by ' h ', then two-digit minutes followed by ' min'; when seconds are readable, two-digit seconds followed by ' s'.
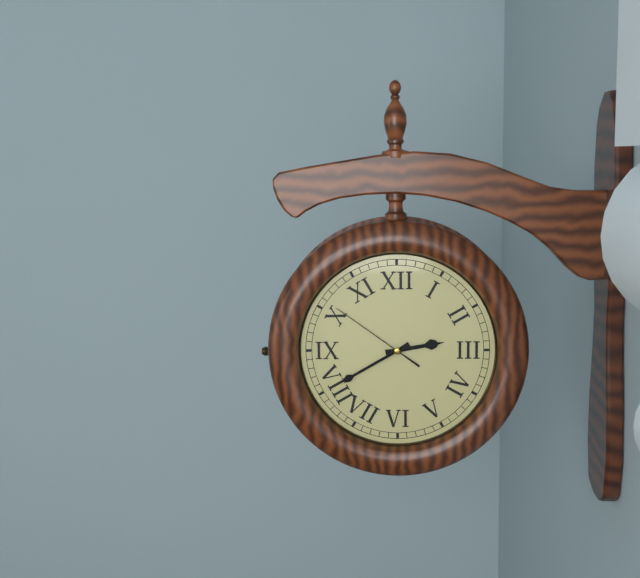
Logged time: 2 h 40 min 51 s
